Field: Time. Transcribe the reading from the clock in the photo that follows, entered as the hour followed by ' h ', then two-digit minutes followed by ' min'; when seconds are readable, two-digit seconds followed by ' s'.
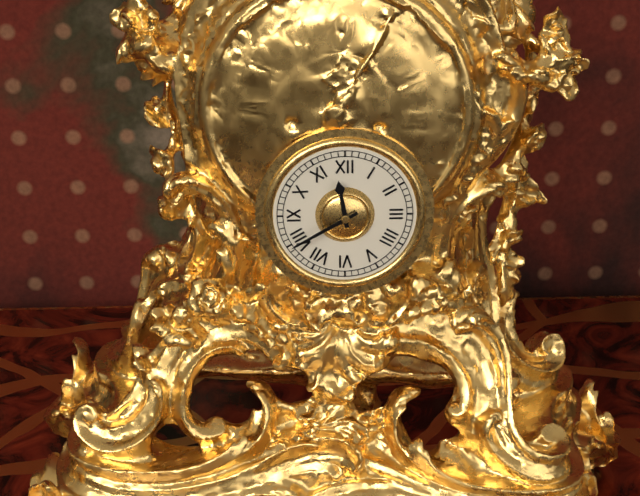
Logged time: 11 h 40 min
